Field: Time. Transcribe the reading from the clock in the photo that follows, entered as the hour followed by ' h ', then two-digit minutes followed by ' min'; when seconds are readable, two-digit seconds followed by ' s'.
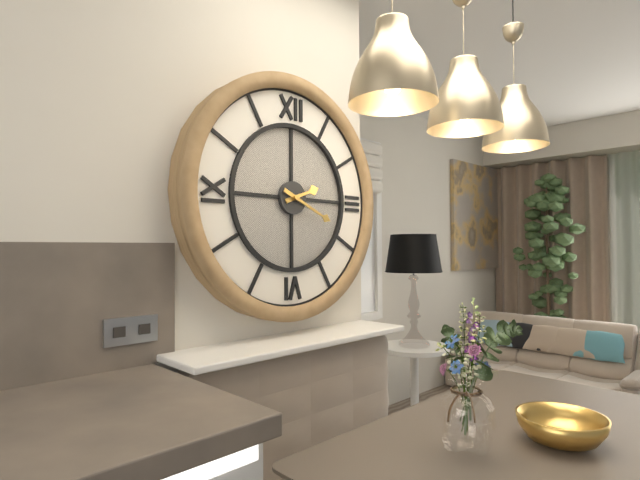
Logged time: 2 h 19 min
